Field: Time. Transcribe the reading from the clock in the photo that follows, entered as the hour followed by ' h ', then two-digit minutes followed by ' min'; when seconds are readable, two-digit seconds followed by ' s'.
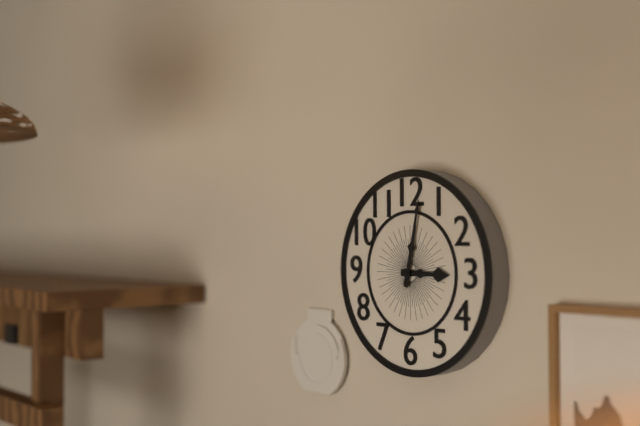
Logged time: 3 h 02 min
